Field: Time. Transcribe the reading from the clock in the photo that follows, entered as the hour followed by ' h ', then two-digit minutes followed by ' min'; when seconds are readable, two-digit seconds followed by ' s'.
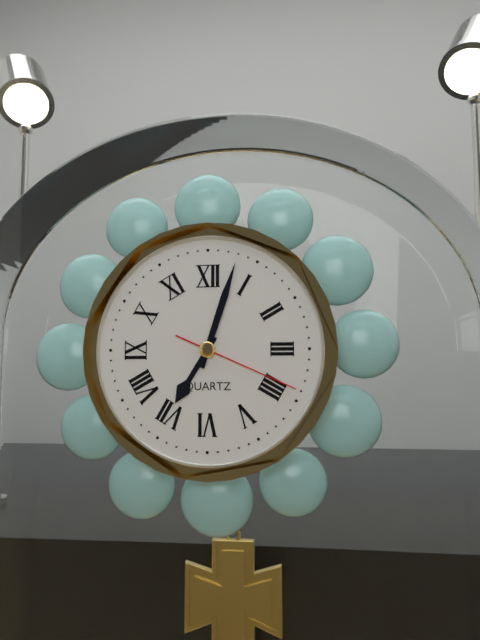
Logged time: 7 h 03 min 19 s
